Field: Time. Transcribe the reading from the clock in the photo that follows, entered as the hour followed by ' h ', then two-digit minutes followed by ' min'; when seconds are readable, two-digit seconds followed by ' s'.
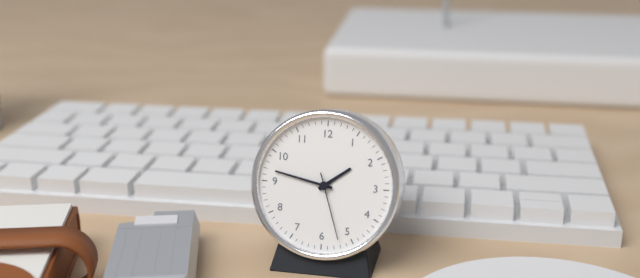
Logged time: 1 h 47 min 27 s
